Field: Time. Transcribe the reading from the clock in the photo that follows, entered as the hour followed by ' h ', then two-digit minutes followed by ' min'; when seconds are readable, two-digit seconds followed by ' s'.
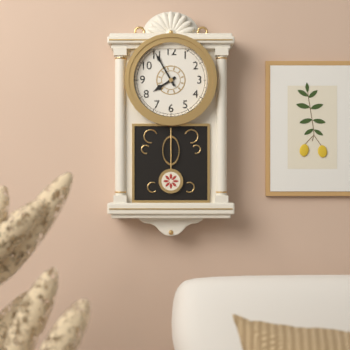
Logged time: 7 h 55 min
